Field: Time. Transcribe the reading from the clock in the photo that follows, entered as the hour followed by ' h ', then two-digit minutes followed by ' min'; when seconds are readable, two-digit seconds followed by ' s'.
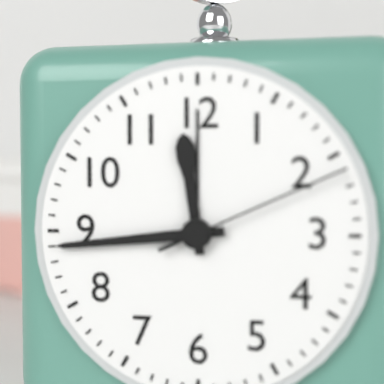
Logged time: 11 h 44 min 11 s
